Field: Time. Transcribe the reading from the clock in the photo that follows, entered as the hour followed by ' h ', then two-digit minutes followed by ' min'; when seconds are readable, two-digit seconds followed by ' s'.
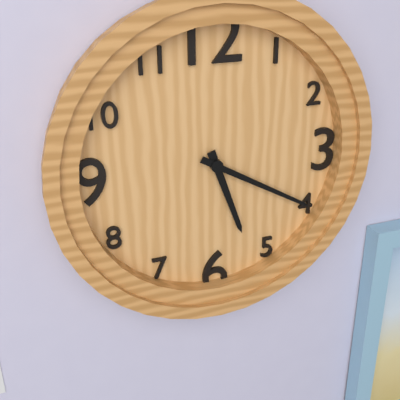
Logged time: 5 h 20 min
